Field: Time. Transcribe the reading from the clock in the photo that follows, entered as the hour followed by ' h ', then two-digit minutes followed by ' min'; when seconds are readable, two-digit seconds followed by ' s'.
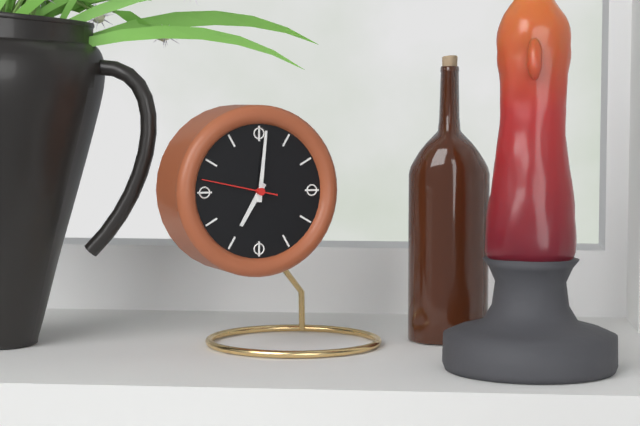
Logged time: 7 h 01 min 47 s
